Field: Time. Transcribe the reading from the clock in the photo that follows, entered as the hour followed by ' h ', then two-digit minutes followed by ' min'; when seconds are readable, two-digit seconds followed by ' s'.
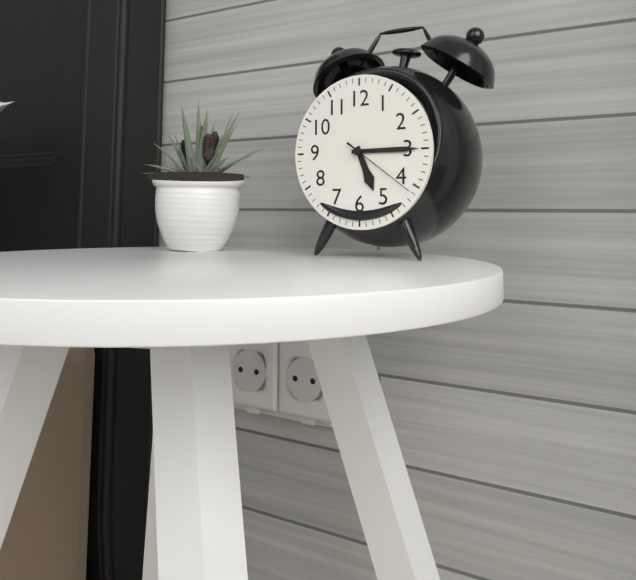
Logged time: 5 h 15 min 21 s
